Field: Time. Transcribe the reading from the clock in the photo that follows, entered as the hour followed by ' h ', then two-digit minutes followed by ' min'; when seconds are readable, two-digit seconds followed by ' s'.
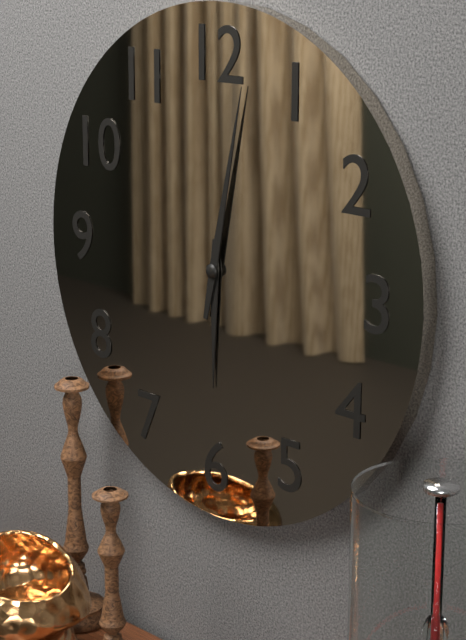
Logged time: 6 h 02 min
